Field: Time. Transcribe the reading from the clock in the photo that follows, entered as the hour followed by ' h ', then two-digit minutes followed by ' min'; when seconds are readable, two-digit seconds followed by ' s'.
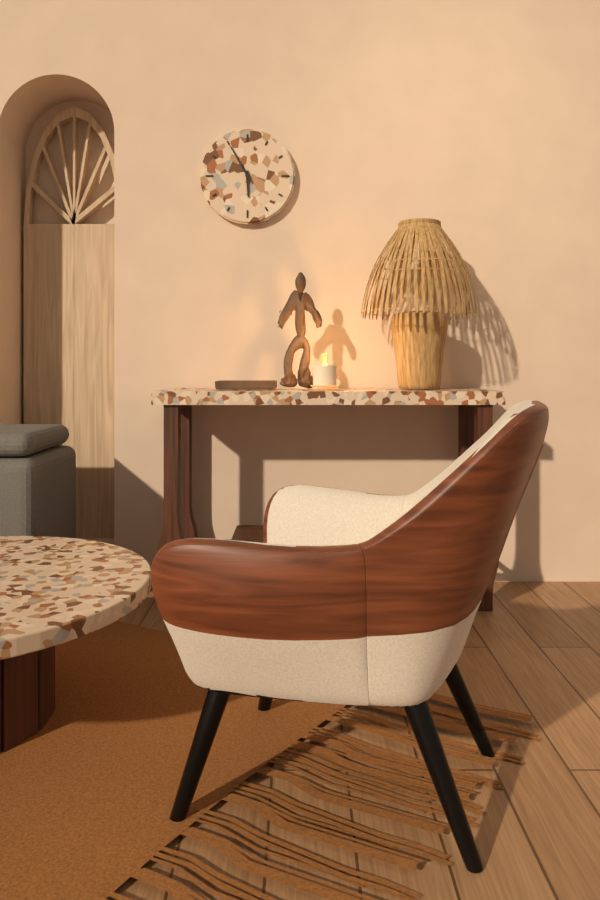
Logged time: 5 h 55 min
